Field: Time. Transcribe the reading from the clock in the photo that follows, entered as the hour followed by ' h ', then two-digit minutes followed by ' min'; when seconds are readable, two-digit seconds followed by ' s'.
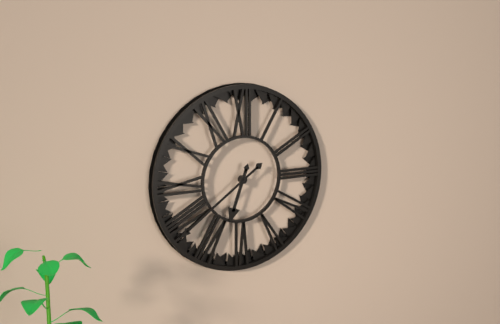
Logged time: 6 h 39 min
